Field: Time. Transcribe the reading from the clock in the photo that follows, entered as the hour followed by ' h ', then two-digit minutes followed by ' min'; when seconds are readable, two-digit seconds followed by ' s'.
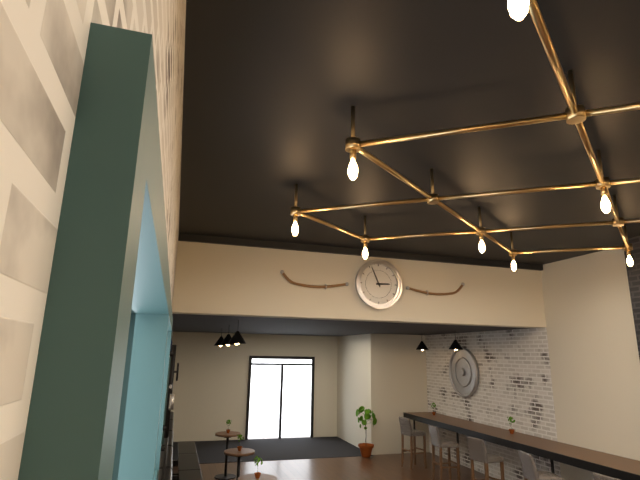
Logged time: 2 h 56 min
